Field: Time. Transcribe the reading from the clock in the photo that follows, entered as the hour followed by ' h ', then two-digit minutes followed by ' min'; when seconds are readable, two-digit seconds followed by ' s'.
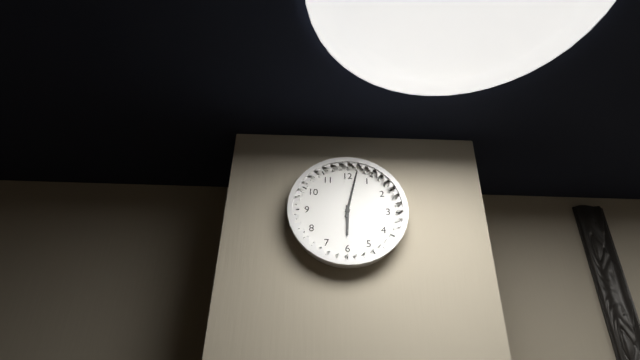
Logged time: 6 h 02 min
